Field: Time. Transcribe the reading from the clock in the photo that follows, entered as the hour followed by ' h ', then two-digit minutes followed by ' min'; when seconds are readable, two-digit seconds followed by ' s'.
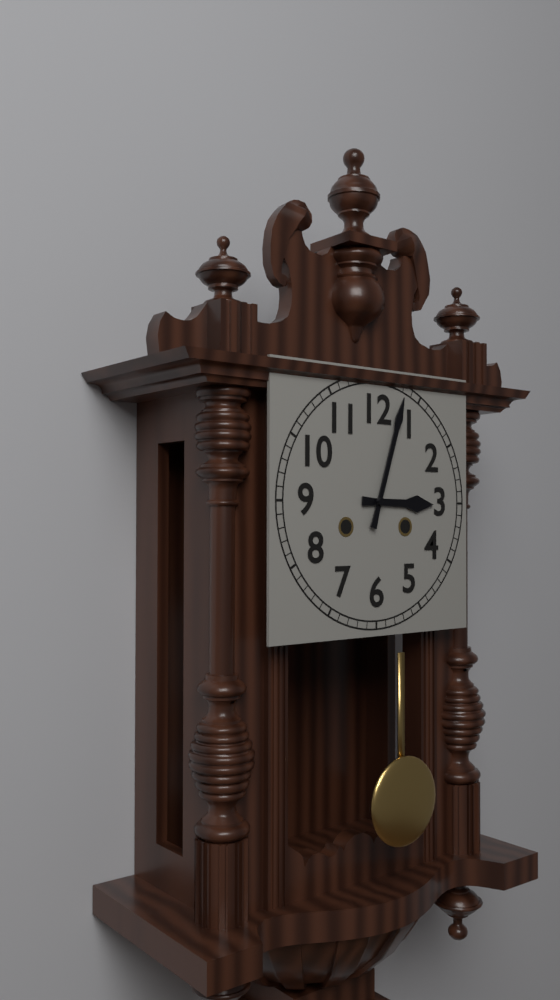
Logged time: 3 h 03 min
